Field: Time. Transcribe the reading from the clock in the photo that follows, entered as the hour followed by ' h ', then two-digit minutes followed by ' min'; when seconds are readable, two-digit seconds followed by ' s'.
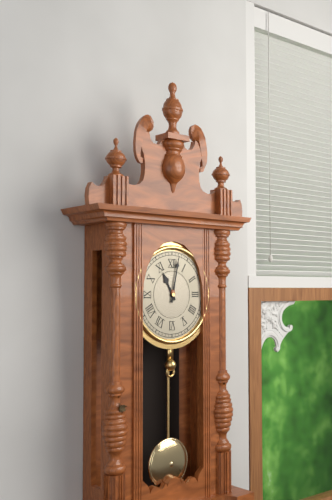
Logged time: 11 h 02 min
